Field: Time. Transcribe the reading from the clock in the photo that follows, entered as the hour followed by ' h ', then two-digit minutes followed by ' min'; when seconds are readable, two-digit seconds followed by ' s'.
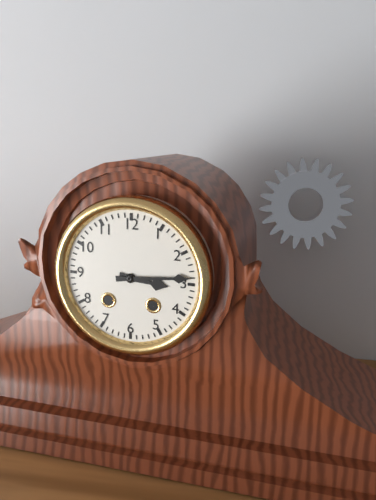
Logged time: 3 h 14 min
